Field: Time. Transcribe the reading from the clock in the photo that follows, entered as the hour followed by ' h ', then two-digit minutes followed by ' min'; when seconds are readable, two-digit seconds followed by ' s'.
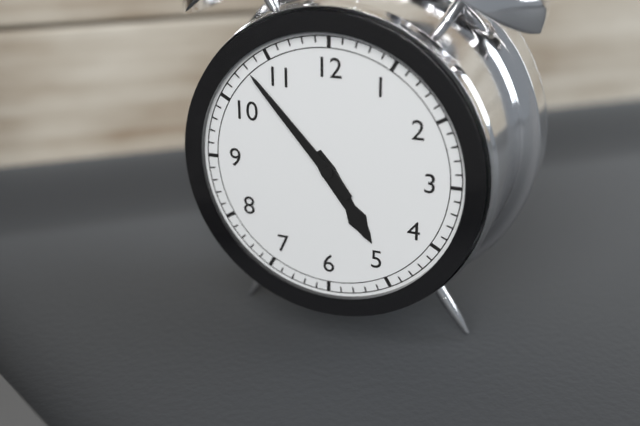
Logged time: 4 h 53 min
